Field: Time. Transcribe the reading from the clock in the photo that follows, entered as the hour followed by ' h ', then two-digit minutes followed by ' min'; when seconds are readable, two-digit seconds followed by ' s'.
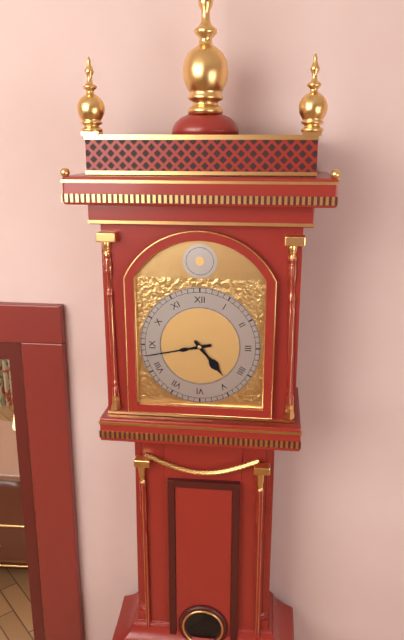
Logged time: 4 h 43 min
